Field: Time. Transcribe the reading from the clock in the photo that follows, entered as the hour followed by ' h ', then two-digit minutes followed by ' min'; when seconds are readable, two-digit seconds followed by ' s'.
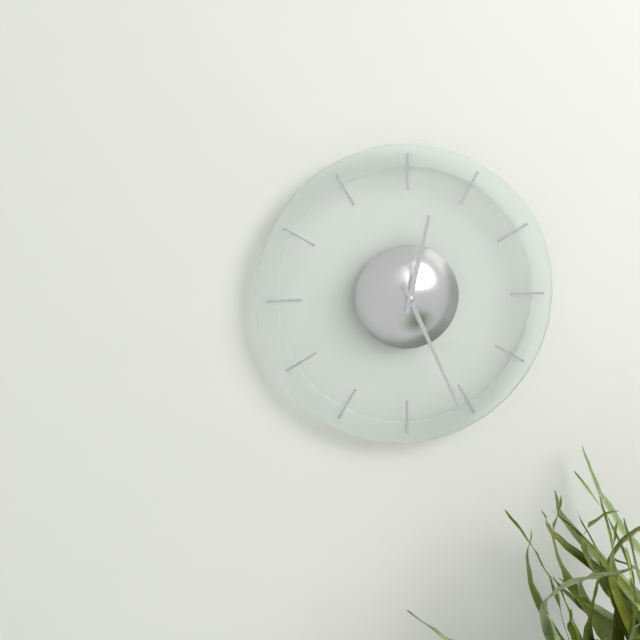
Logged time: 12 h 26 min
